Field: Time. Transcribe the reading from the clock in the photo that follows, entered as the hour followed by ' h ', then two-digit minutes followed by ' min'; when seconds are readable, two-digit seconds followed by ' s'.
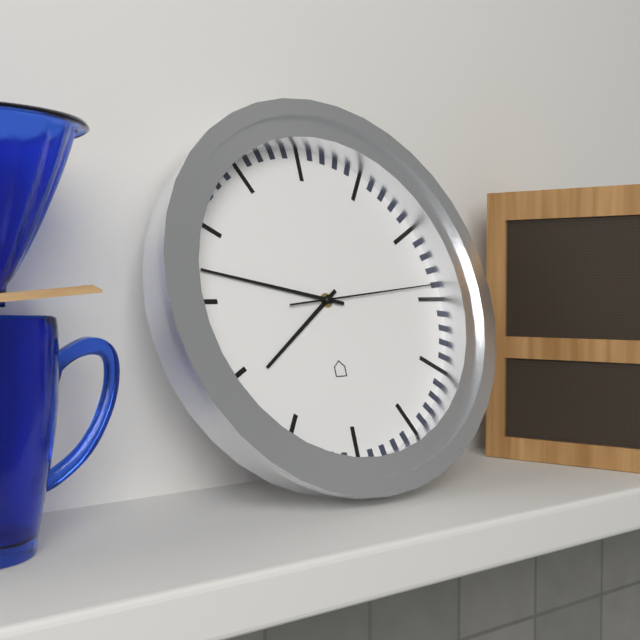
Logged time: 7 h 47 min 14 s
